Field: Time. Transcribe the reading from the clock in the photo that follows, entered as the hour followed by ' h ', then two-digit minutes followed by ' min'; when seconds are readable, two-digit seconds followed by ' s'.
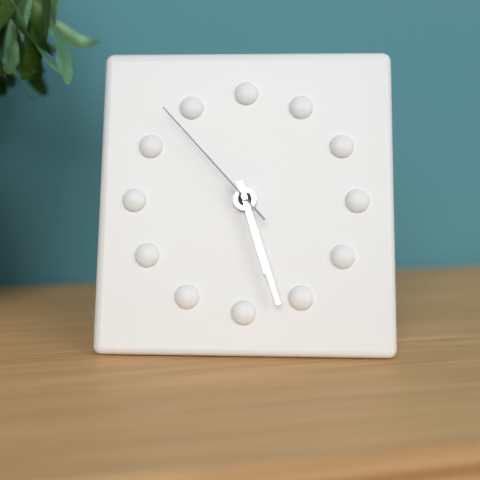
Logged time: 5 h 27 min 53 s
